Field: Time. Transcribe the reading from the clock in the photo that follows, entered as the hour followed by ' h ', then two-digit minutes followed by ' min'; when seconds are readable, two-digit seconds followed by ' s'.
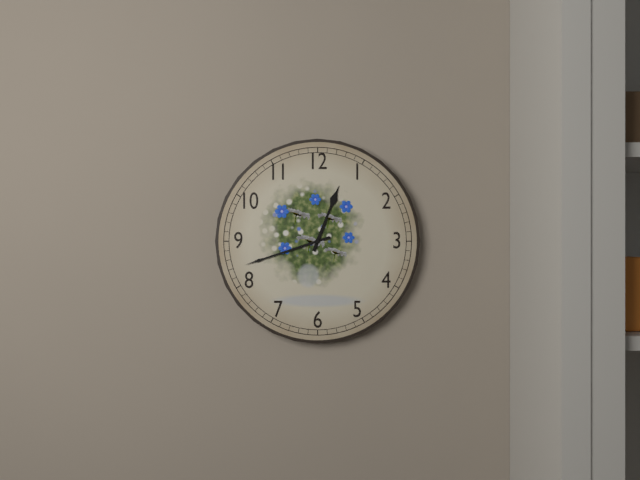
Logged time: 12 h 42 min
